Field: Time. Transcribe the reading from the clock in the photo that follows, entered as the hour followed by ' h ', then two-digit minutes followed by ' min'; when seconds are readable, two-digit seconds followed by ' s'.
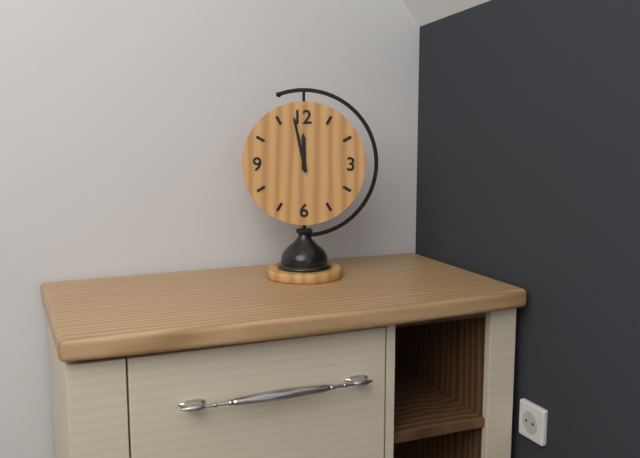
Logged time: 11 h 58 min
